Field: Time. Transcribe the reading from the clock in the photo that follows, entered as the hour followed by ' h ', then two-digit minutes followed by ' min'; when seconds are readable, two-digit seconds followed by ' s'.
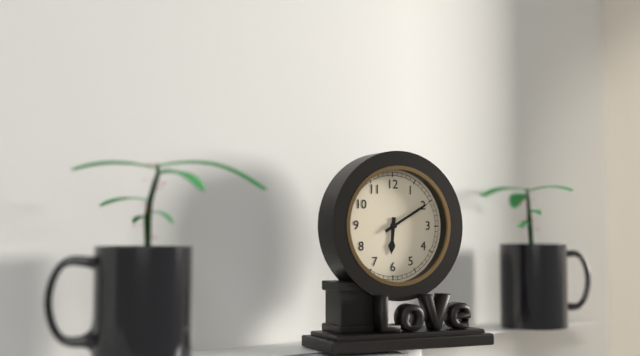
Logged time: 6 h 10 min
